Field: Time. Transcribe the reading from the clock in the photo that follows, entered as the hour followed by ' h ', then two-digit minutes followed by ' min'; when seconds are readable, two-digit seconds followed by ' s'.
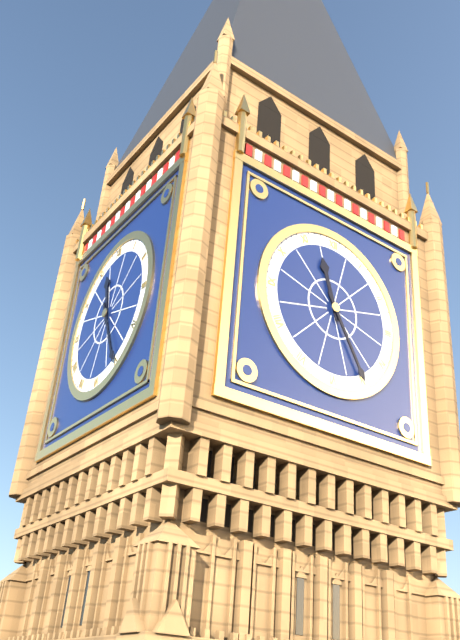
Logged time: 11 h 25 min
